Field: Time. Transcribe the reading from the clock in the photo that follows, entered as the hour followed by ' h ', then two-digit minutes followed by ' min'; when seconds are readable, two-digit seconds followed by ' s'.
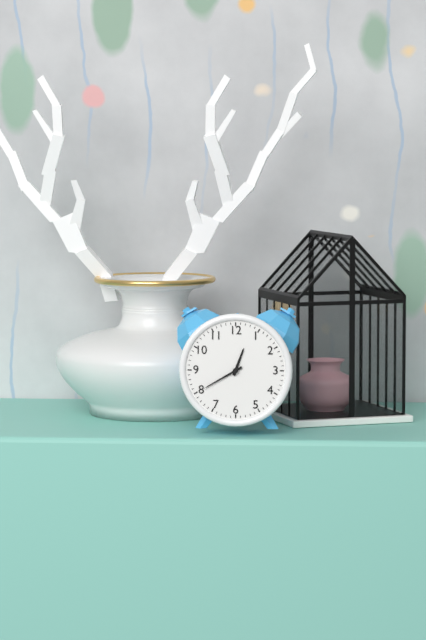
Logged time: 12 h 40 min
